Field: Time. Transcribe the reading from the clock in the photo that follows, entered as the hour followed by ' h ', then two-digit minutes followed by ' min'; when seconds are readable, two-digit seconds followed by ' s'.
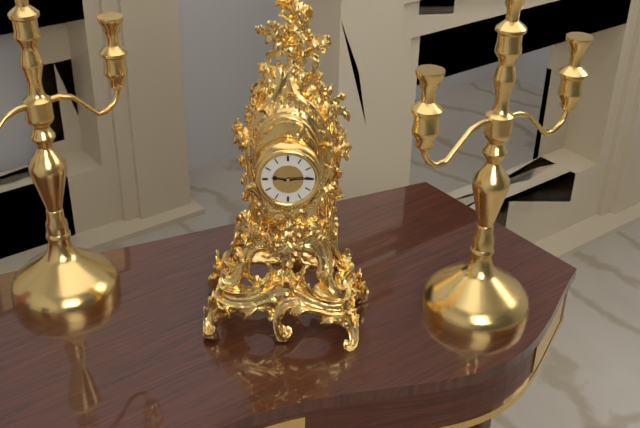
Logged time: 9 h 14 min
